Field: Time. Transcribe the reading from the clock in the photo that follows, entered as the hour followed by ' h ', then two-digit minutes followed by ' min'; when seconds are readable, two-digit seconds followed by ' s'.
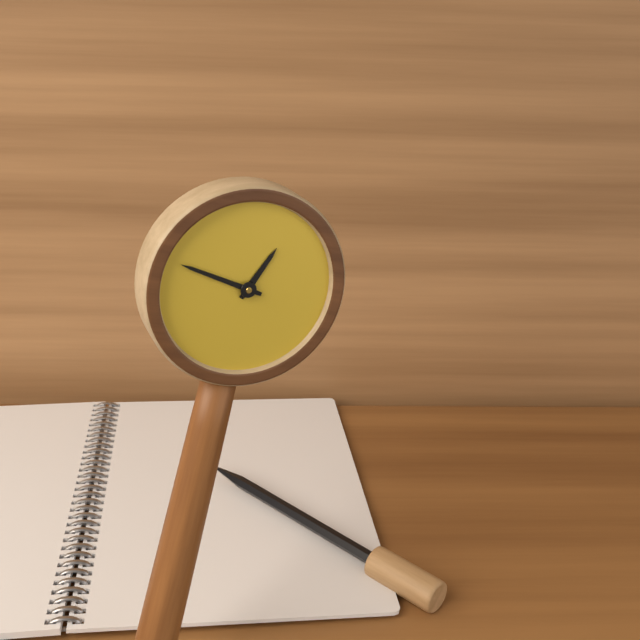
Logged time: 12 h 47 min
